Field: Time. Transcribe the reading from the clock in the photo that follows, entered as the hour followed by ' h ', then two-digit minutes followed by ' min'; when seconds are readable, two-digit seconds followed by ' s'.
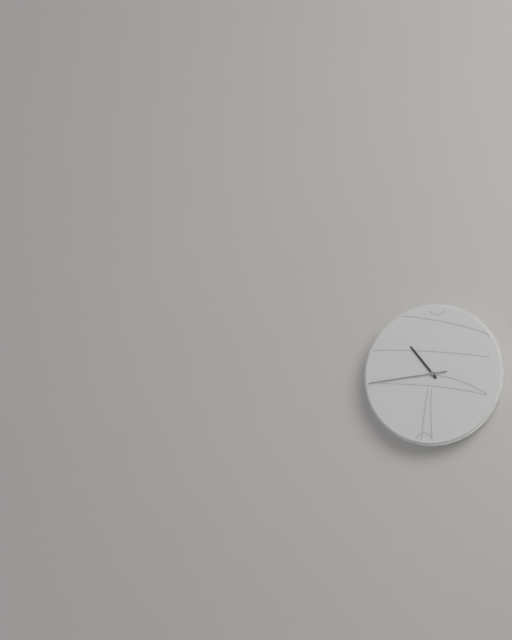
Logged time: 10 h 44 min
